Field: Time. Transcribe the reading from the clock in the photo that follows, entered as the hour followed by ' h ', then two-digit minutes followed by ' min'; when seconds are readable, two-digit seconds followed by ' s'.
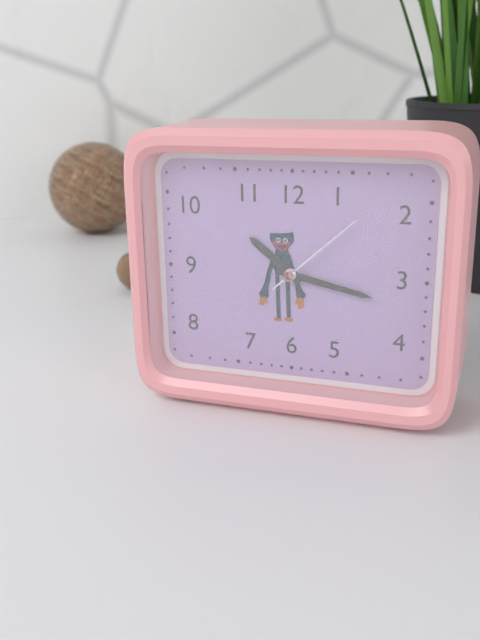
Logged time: 10 h 17 min 08 s
